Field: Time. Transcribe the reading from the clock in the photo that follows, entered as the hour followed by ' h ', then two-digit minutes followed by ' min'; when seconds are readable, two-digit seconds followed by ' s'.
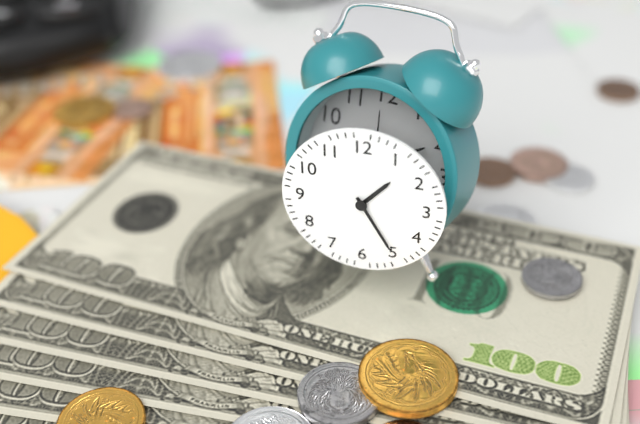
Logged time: 1 h 25 min
